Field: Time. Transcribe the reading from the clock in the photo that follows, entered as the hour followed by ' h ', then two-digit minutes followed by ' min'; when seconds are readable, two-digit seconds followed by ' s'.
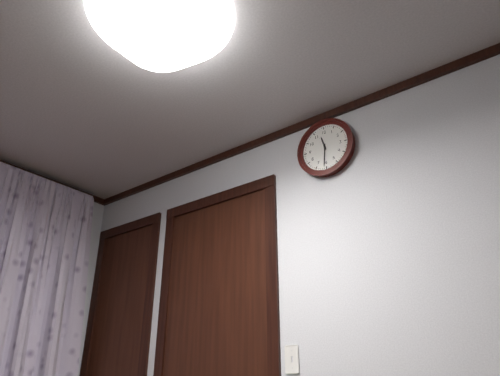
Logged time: 11 h 31 min
